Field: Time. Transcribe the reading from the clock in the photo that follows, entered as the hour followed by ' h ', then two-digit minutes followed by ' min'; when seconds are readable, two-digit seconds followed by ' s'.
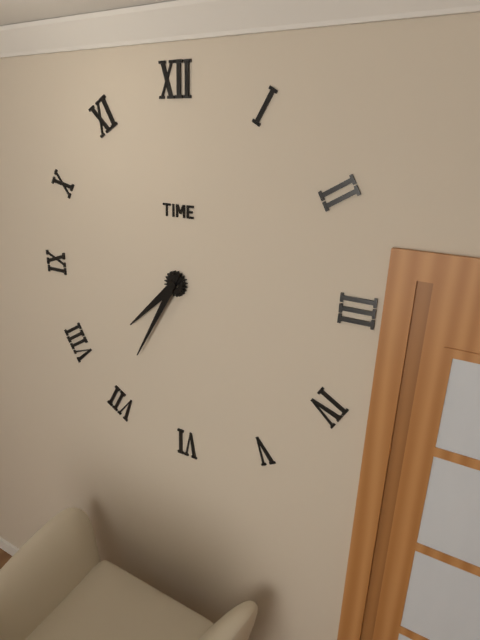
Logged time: 7 h 35 min
